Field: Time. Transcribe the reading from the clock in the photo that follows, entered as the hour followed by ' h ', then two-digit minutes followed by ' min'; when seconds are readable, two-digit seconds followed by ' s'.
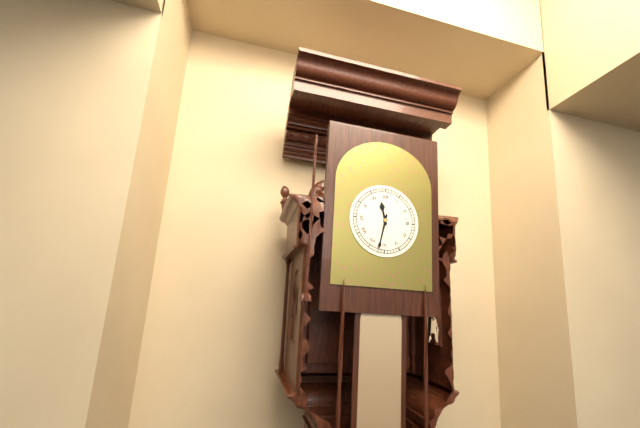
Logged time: 11 h 32 min
